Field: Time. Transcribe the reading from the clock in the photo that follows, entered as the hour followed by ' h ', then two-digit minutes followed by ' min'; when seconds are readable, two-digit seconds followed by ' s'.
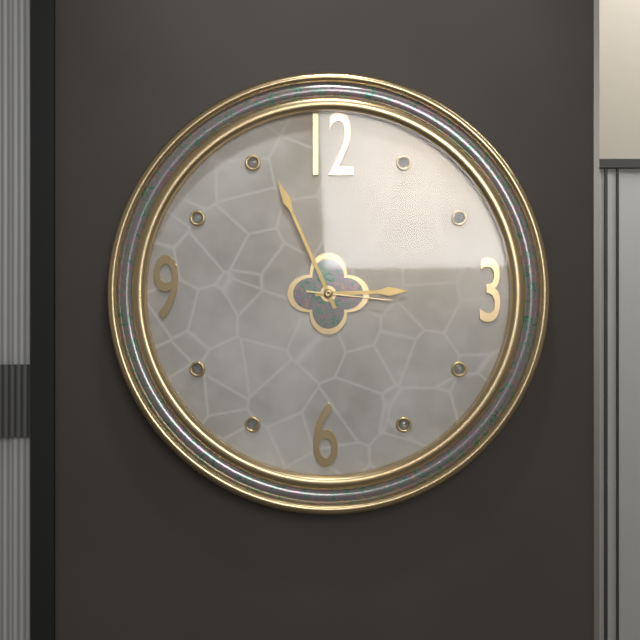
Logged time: 2 h 56 min 16 s
